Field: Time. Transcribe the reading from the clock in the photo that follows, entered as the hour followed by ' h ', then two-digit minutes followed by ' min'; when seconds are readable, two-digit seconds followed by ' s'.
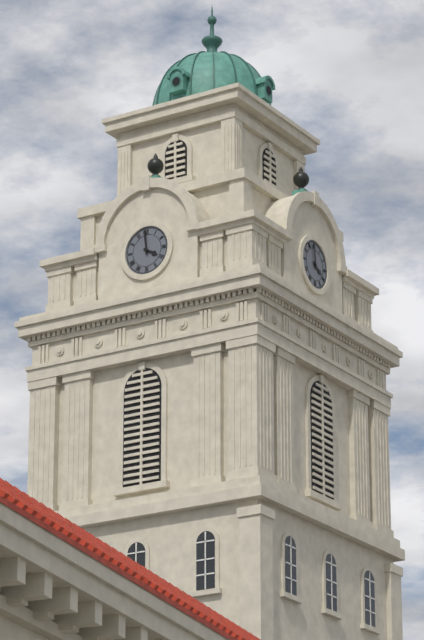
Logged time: 3 h 59 min
